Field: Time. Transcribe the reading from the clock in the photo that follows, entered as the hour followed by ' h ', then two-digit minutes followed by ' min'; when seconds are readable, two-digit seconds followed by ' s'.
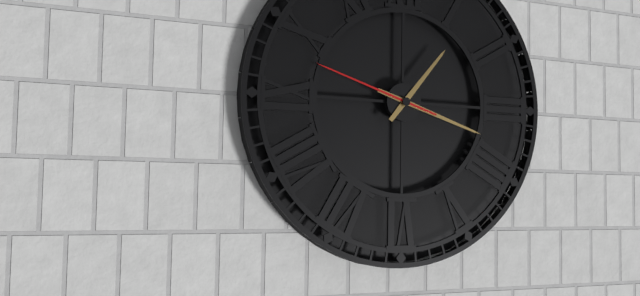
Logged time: 1 h 18 min 48 s
